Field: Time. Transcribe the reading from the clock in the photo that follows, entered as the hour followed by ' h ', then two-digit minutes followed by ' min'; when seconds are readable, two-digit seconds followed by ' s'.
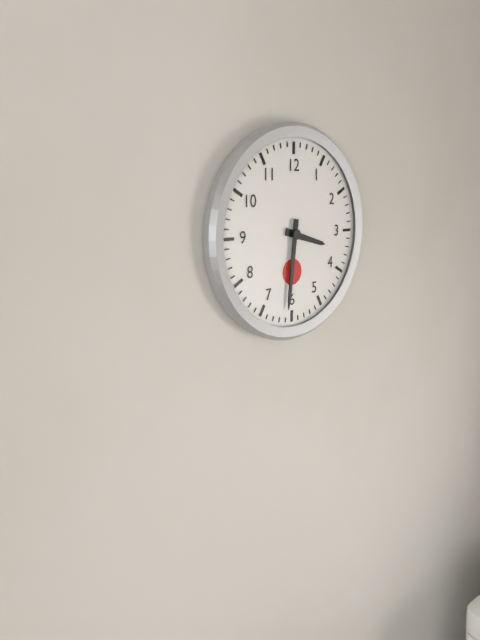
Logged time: 3 h 31 min
